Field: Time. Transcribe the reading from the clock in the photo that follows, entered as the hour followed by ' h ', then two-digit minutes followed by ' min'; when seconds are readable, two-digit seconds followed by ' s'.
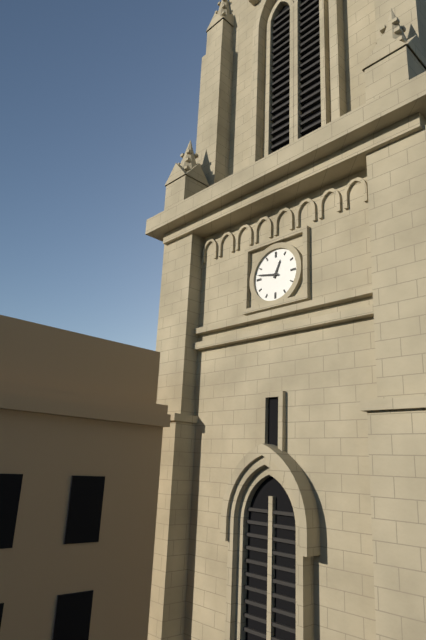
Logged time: 12 h 47 min
